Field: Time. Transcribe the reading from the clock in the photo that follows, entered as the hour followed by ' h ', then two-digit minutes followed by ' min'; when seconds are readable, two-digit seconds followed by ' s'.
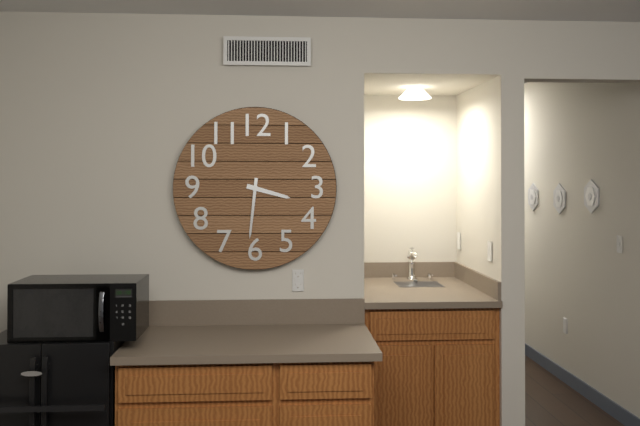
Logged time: 3 h 31 min
